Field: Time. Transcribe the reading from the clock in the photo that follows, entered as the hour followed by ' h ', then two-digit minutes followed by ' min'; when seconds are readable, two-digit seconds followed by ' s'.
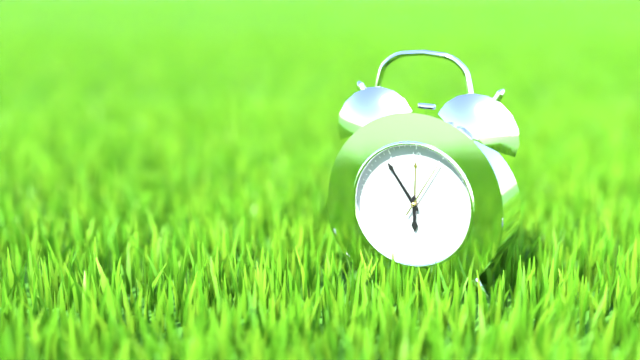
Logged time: 5 h 54 min 05 s
